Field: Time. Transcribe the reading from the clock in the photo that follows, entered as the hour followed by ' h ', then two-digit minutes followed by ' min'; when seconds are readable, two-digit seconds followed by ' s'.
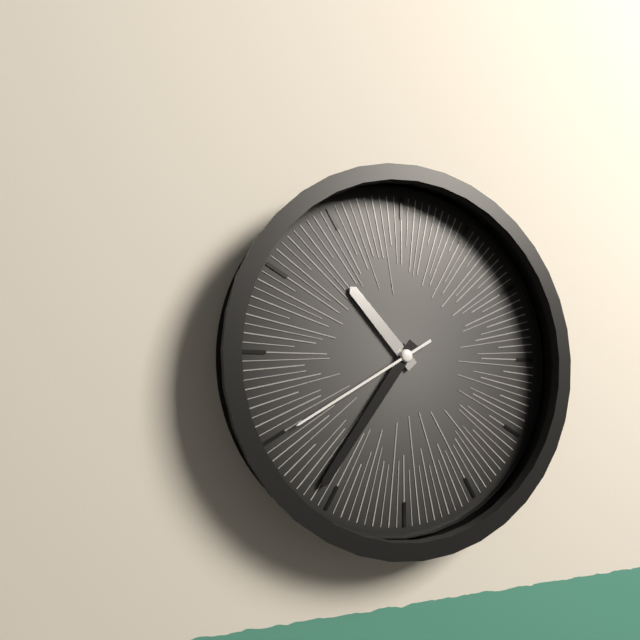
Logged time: 10 h 36 min 40 s
